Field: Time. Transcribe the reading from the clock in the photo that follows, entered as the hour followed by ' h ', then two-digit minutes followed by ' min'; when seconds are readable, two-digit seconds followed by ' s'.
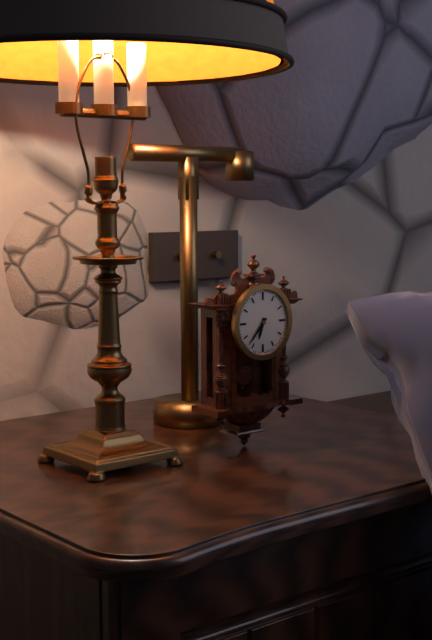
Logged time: 6 h 37 min
